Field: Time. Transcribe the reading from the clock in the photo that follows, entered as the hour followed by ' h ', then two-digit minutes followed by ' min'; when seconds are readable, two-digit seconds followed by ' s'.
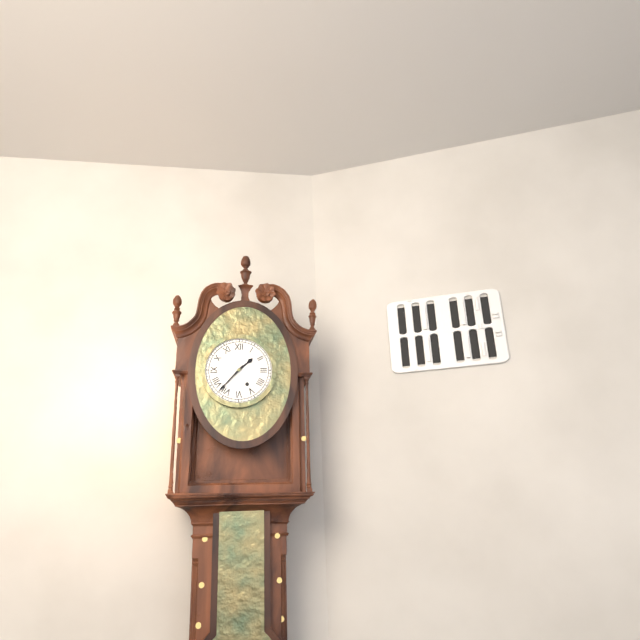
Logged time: 1 h 37 min
